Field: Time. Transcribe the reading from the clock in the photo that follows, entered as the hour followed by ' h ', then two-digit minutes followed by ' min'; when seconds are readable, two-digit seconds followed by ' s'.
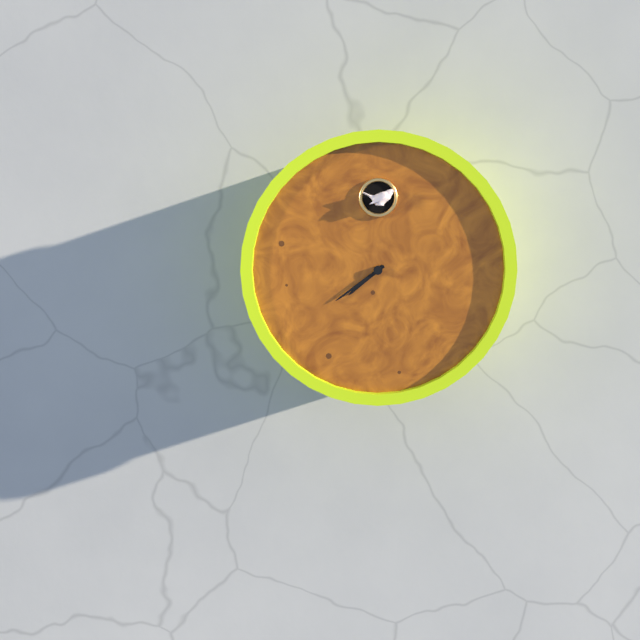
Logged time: 7 h 39 min
